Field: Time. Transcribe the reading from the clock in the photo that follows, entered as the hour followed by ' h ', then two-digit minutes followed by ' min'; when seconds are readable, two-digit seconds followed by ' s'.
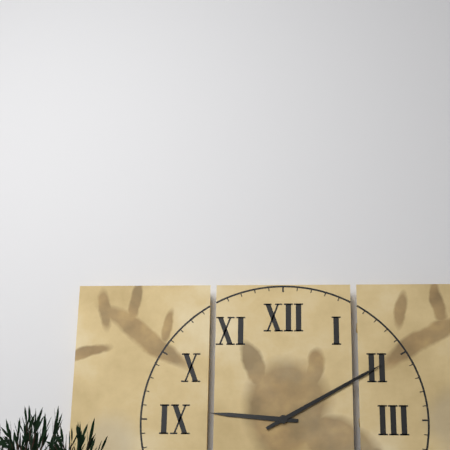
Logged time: 9 h 10 min
